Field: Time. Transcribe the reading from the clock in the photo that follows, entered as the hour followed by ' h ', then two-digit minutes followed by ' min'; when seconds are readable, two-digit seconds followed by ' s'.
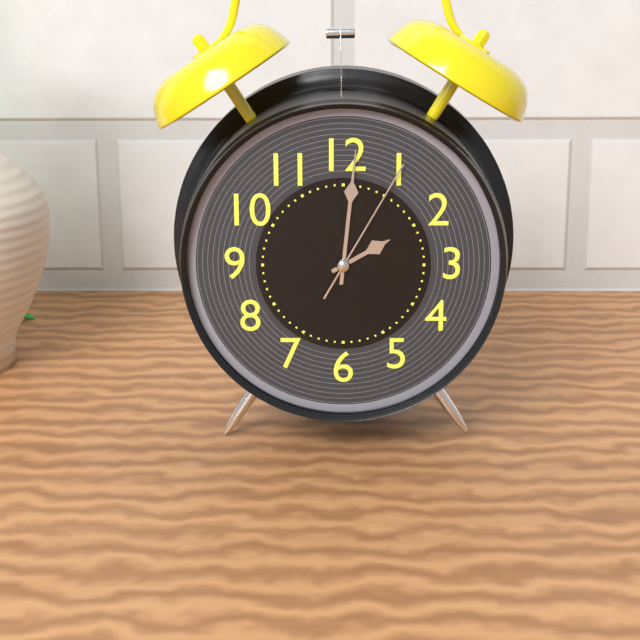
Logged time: 2 h 01 min 05 s
